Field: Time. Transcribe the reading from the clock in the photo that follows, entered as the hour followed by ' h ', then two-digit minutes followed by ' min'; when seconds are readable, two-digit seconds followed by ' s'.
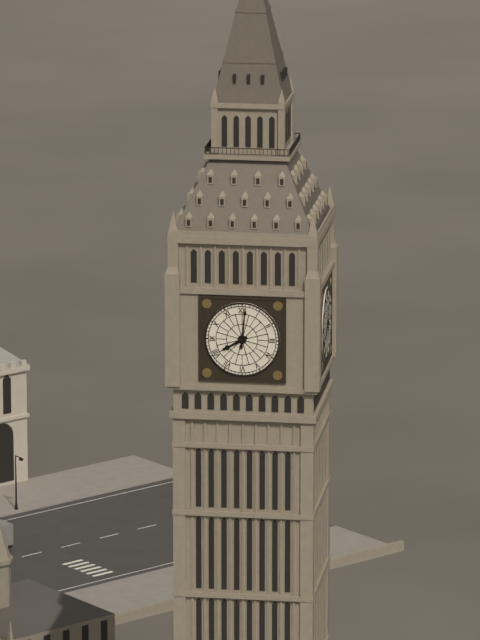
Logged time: 8 h 01 min
